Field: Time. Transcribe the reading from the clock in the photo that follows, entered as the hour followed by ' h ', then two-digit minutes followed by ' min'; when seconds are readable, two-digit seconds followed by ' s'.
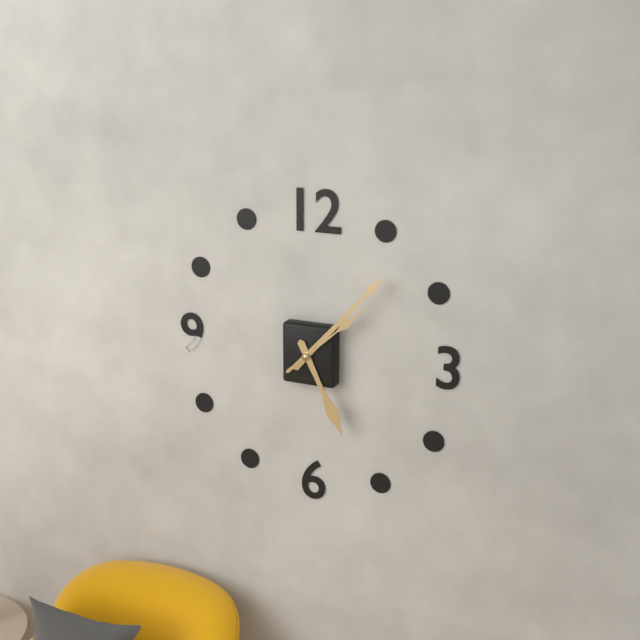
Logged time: 5 h 07 min 08 s
